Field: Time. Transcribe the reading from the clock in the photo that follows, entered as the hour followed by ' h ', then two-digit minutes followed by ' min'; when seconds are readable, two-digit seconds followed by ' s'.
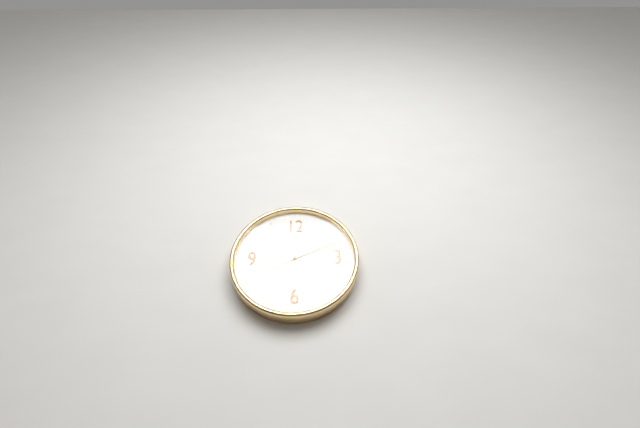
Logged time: 8 h 11 min
